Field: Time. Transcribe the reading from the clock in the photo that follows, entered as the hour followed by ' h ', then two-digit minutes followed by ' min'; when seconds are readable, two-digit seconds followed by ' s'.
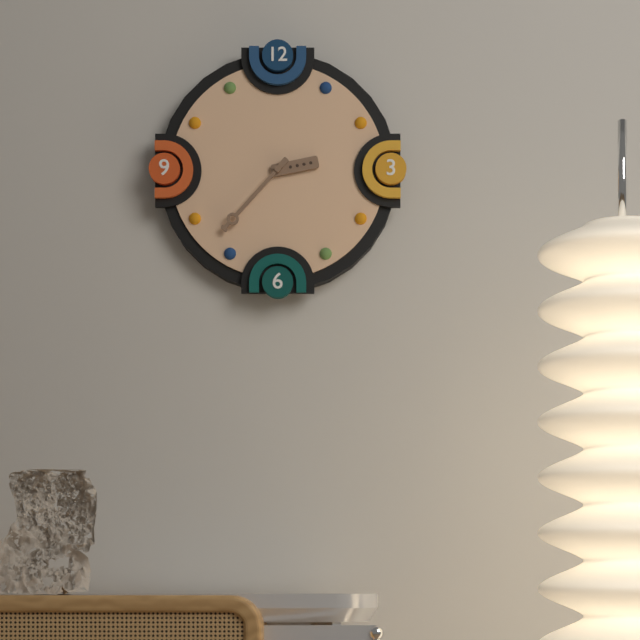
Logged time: 2 h 37 min
